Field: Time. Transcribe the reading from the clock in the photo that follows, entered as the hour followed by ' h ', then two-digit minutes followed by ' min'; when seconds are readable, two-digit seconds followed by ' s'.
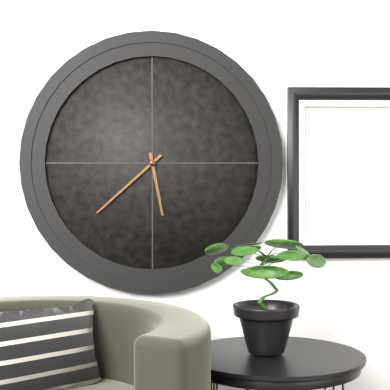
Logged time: 5 h 38 min
